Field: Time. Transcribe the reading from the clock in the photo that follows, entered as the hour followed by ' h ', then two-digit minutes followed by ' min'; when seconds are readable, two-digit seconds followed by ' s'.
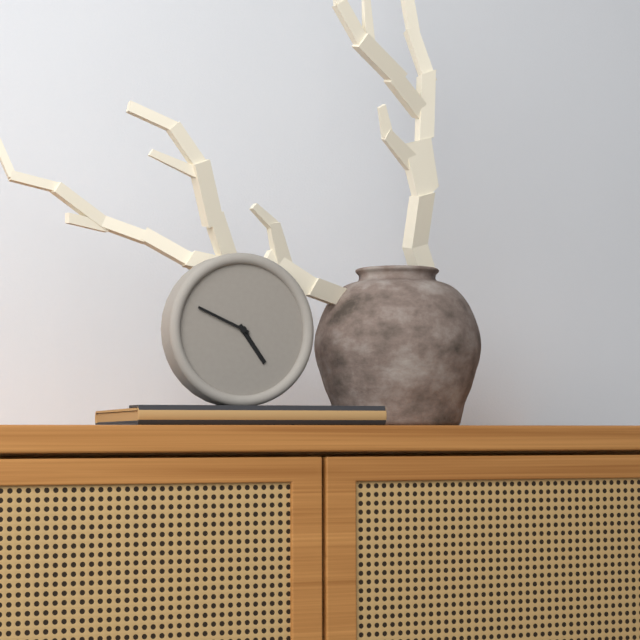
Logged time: 4 h 49 min
